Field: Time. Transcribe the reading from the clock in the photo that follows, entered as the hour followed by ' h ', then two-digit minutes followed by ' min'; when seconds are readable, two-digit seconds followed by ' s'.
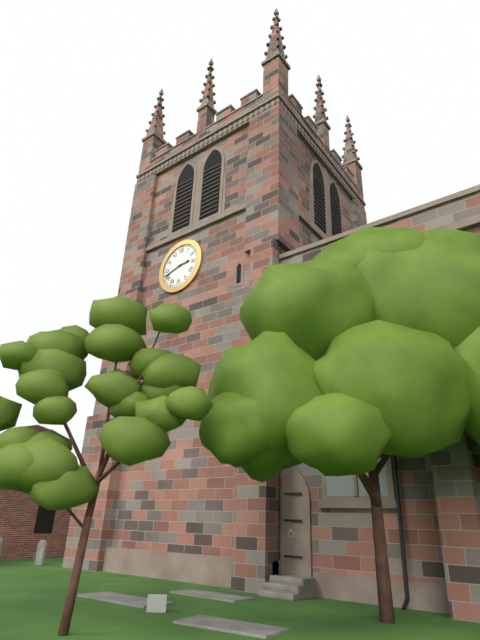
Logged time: 2 h 42 min
